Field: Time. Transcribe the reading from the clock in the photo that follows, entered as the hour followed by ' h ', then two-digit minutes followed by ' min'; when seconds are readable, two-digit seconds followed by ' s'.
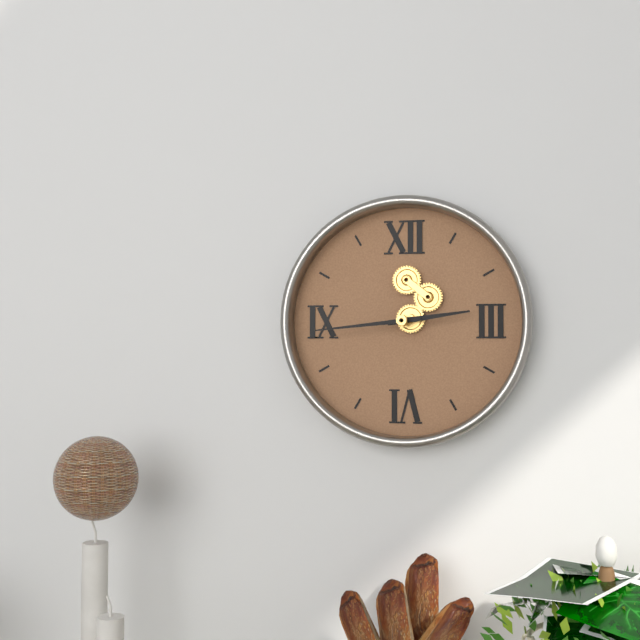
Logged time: 2 h 44 min
